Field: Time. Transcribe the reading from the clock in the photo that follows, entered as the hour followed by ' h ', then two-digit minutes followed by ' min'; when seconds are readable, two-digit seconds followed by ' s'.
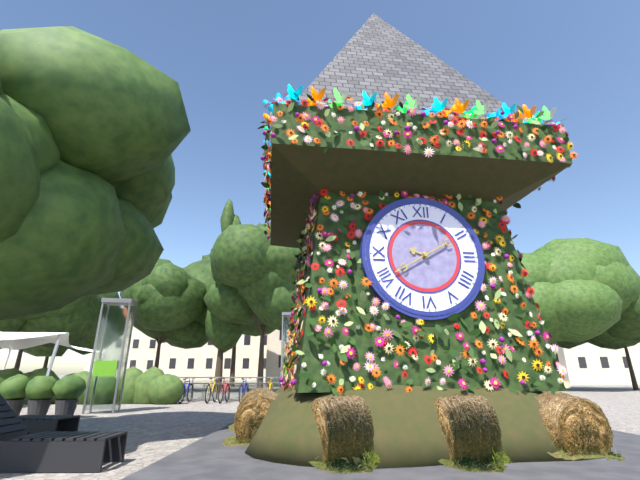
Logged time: 9 h 40 min
